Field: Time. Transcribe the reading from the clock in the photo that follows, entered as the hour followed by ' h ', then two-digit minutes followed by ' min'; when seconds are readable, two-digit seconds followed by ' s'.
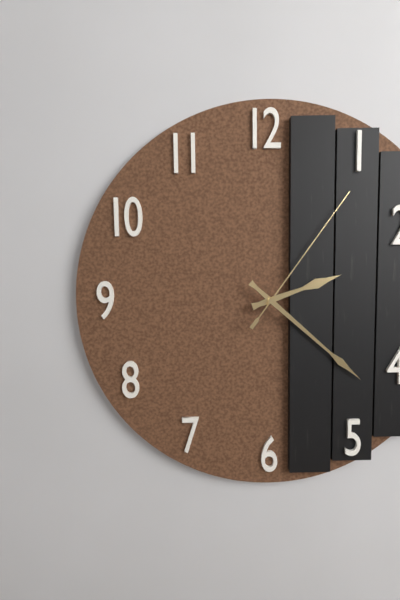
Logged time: 2 h 22 min 06 s
